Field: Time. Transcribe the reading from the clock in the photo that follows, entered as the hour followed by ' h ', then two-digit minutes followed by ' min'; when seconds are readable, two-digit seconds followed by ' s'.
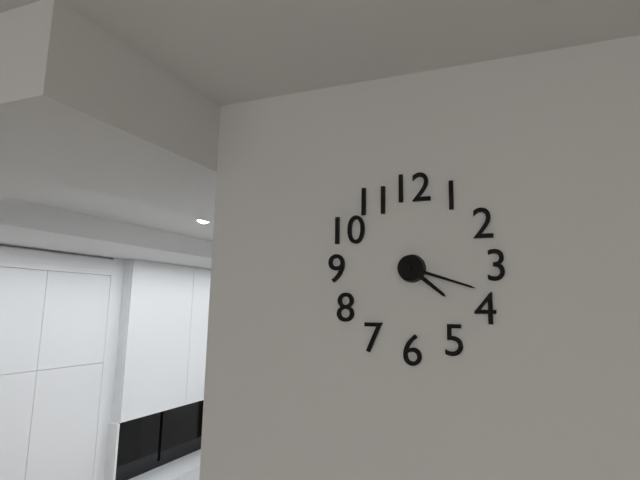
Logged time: 4 h 18 min
